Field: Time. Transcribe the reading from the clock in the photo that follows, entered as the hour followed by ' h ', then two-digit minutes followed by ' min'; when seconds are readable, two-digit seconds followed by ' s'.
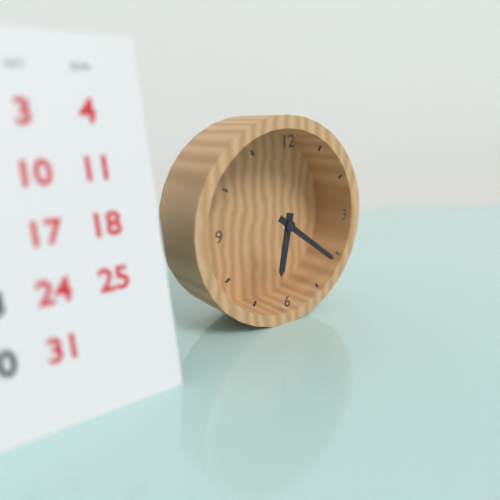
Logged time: 6 h 21 min
